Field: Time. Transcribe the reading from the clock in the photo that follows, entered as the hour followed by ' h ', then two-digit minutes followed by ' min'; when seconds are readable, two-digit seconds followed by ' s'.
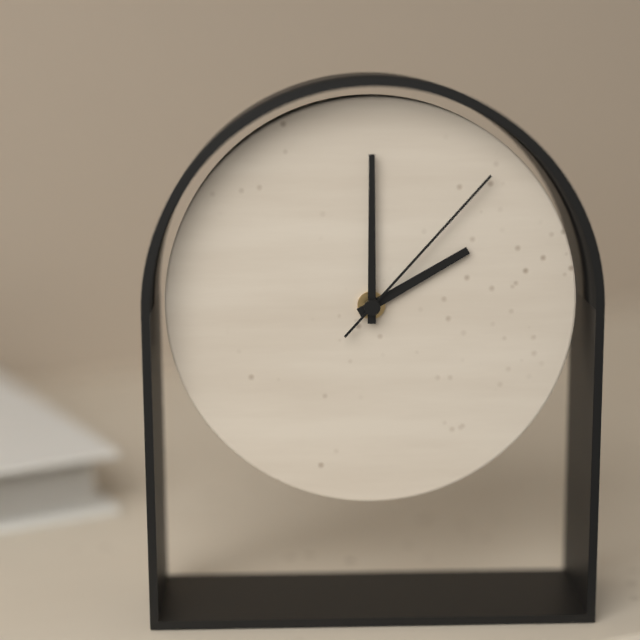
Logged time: 2 h 00 min 07 s
